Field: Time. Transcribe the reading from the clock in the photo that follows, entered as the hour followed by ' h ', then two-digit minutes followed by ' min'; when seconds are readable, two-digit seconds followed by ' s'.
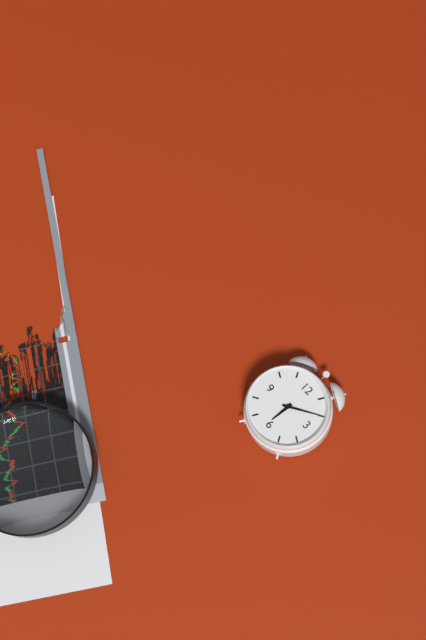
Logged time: 6 h 10 min
